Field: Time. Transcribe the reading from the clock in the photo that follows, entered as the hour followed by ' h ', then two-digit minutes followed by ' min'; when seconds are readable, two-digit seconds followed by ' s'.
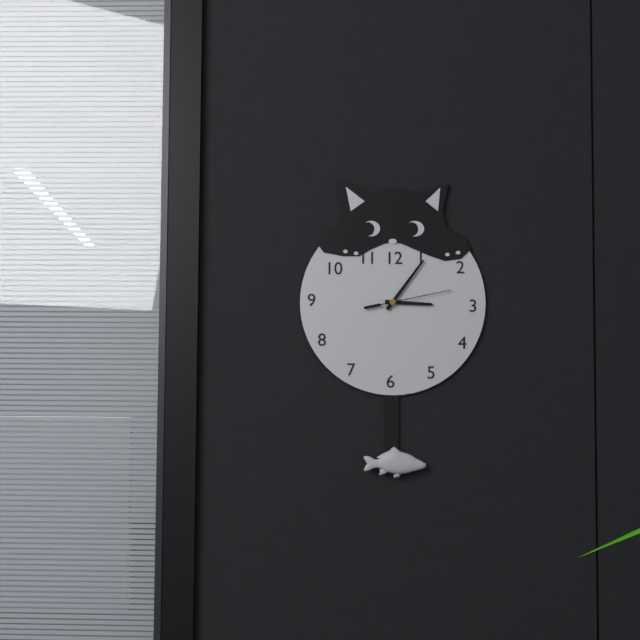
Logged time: 3 h 06 min 13 s
